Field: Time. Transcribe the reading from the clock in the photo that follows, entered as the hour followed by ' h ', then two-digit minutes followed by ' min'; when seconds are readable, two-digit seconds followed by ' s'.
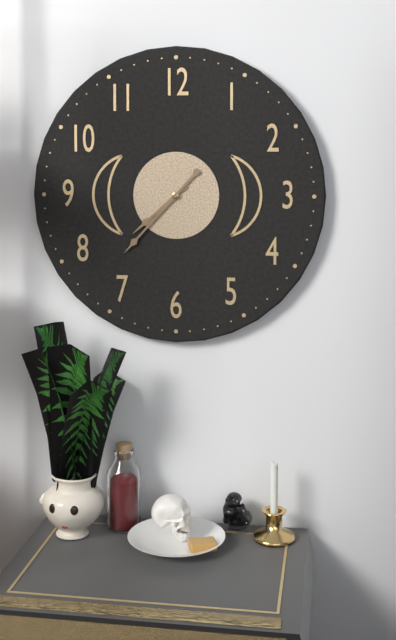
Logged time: 7 h 37 min
